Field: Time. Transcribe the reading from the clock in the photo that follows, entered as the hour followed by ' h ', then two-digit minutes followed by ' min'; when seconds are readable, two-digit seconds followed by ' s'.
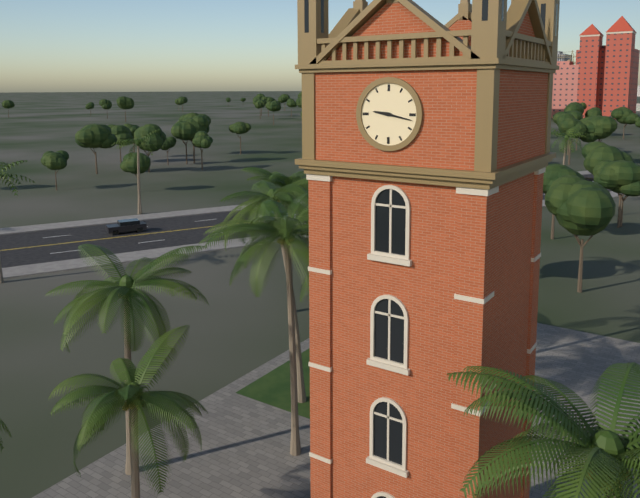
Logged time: 9 h 17 min
